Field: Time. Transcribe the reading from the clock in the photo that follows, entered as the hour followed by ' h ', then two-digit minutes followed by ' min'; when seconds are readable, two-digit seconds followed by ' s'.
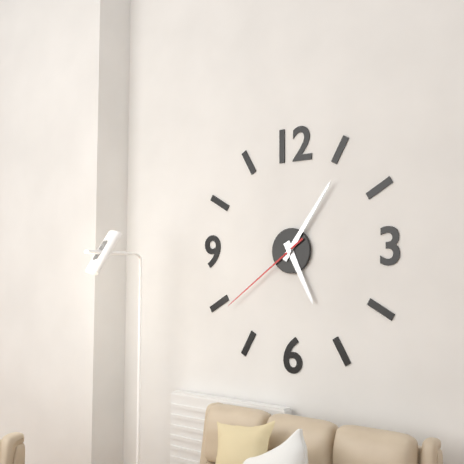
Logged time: 5 h 06 min 39 s
